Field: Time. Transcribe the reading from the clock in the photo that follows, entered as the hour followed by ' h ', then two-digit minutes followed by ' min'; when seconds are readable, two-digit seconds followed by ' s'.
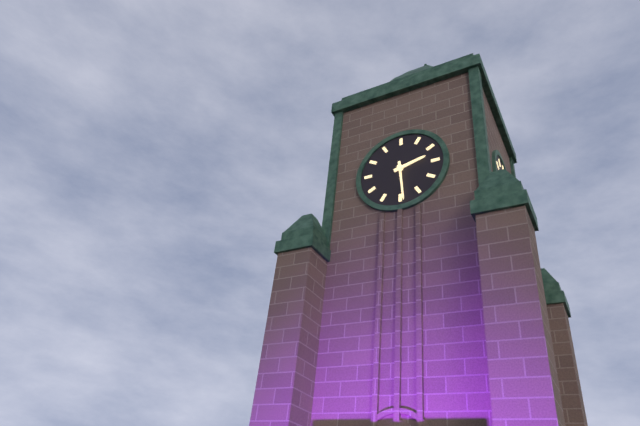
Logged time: 2 h 29 min
